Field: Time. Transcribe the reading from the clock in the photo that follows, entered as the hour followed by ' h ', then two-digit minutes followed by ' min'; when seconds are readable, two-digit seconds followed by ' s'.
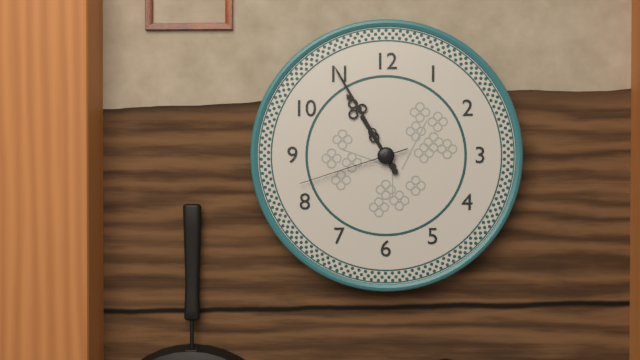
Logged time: 10 h 55 min 42 s
